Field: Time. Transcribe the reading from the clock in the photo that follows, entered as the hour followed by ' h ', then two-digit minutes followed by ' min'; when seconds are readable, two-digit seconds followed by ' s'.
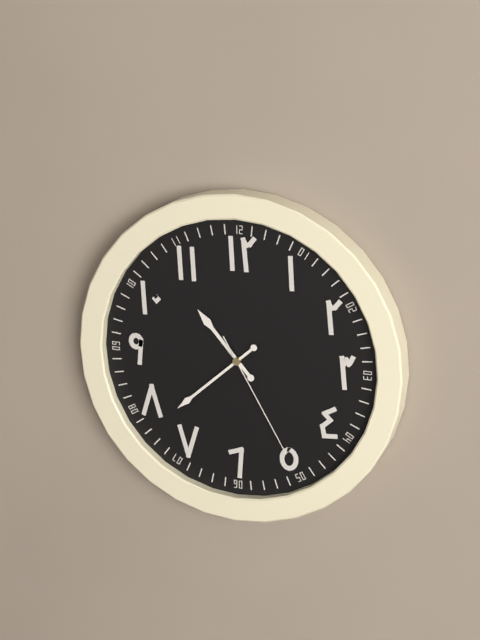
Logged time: 10 h 38 min 25 s
